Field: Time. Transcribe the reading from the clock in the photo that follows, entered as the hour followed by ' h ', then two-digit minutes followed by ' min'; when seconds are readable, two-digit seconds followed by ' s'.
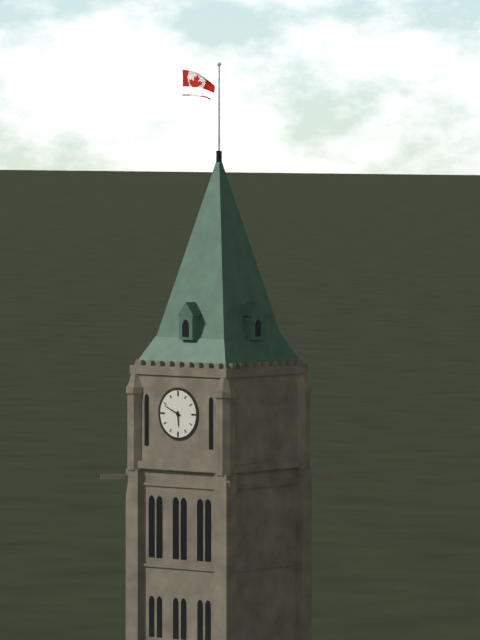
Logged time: 5 h 49 min
